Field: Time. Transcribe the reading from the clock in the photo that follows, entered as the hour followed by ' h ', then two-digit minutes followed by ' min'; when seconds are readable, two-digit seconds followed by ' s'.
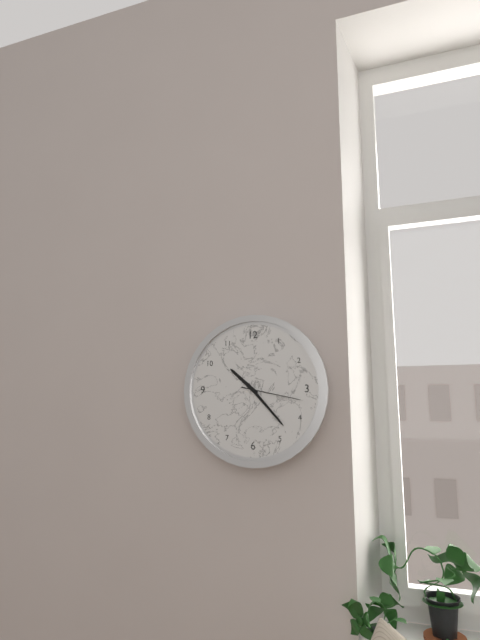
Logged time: 10 h 23 min 17 s
